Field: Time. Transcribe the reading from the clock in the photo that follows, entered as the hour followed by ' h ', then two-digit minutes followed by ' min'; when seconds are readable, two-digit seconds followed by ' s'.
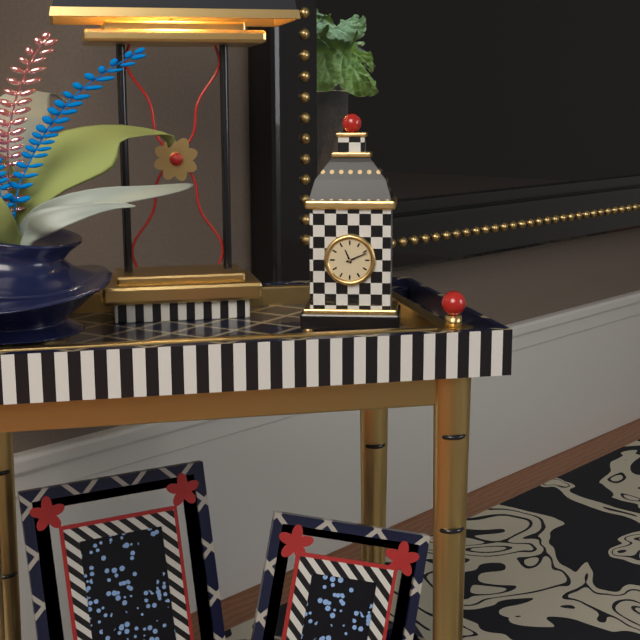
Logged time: 11 h 11 min
